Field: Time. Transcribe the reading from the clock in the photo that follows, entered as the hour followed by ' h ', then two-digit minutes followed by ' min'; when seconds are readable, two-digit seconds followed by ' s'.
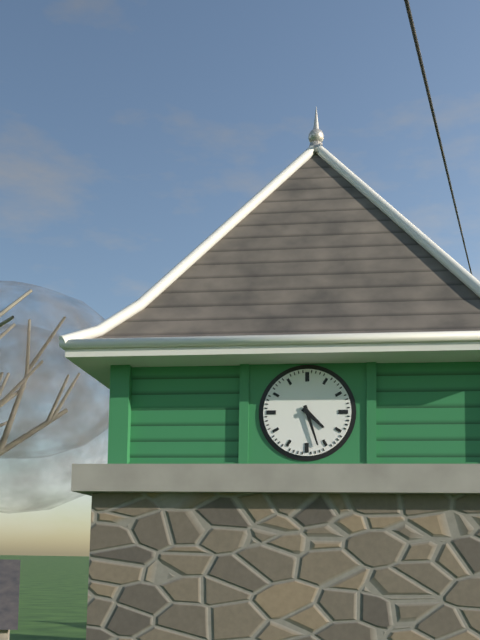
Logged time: 4 h 27 min
